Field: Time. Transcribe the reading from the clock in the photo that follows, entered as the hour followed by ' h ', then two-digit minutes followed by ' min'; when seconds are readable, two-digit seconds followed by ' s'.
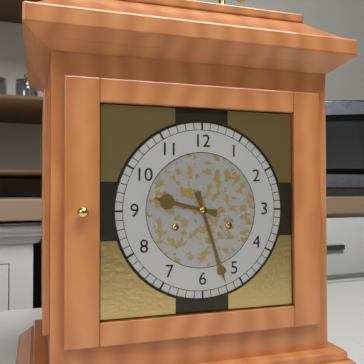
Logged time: 9 h 27 min
